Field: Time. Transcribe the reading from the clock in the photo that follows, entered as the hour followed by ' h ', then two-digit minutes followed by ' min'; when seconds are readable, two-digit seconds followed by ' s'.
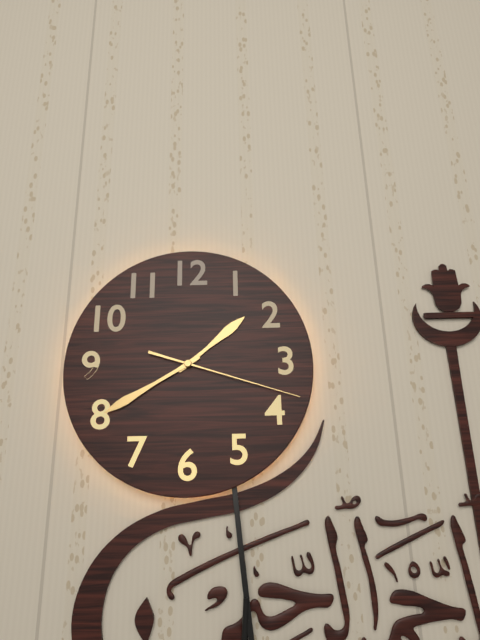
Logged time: 1 h 40 min 18 s
